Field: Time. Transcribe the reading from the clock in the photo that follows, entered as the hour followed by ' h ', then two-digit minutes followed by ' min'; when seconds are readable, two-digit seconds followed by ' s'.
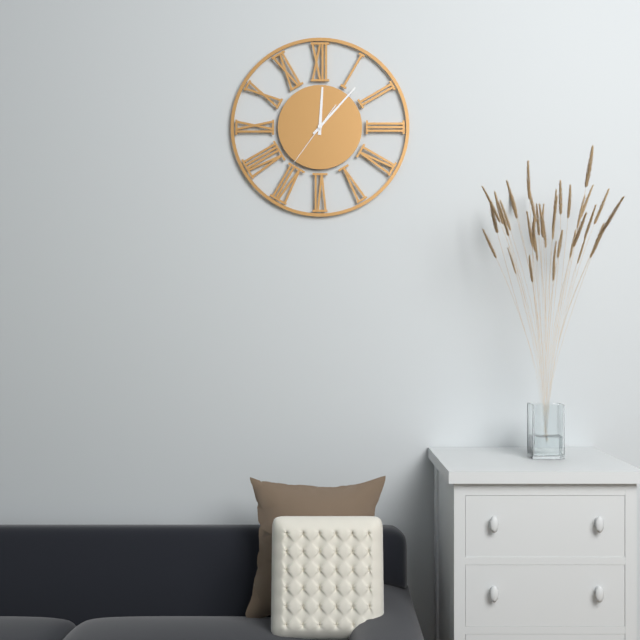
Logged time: 12 h 07 min 36 s
